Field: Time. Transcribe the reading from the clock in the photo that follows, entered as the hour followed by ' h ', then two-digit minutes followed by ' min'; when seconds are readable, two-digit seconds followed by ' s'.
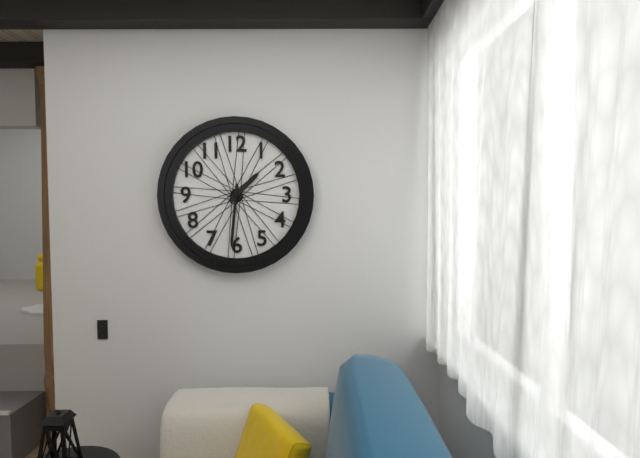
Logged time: 1 h 31 min
